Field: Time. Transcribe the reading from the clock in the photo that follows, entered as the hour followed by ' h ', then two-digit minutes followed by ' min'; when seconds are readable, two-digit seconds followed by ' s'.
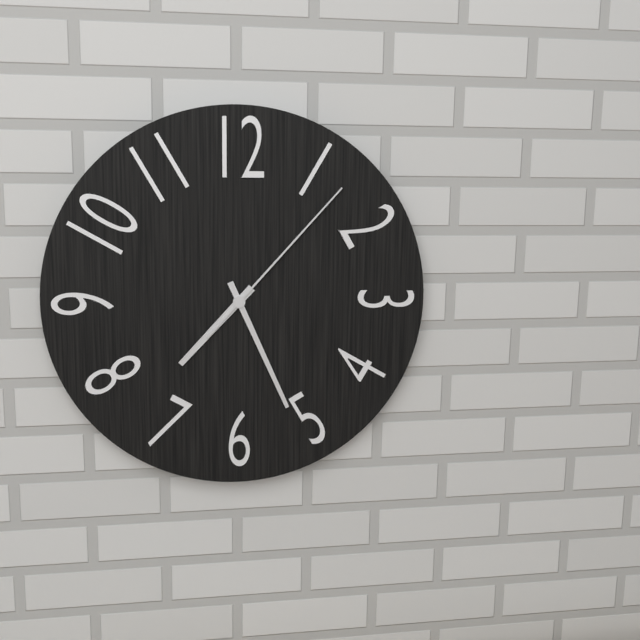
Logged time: 7 h 26 min 07 s
